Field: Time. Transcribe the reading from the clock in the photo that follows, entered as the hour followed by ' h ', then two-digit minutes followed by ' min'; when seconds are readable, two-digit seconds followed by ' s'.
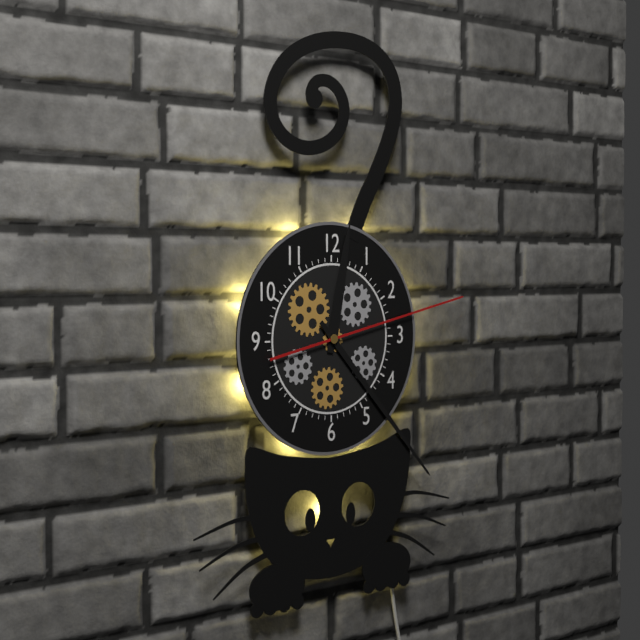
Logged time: 12 h 23 min 13 s
